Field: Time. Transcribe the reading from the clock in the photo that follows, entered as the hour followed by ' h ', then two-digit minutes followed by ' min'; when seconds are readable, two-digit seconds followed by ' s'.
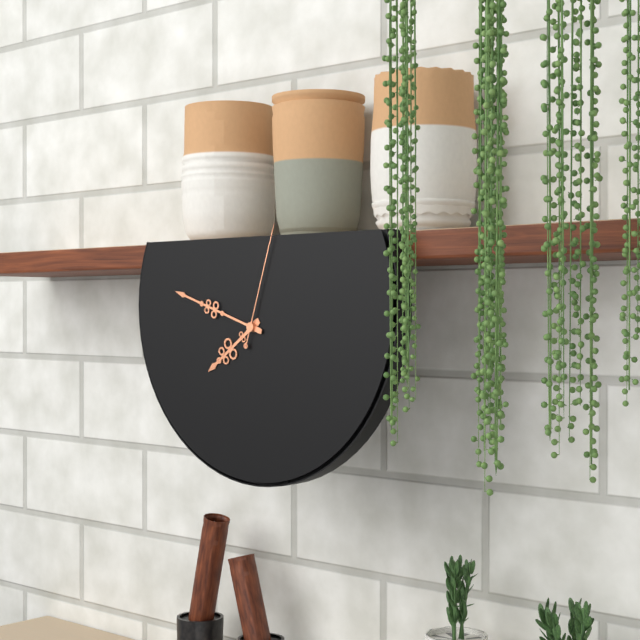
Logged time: 7 h 48 min 03 s
